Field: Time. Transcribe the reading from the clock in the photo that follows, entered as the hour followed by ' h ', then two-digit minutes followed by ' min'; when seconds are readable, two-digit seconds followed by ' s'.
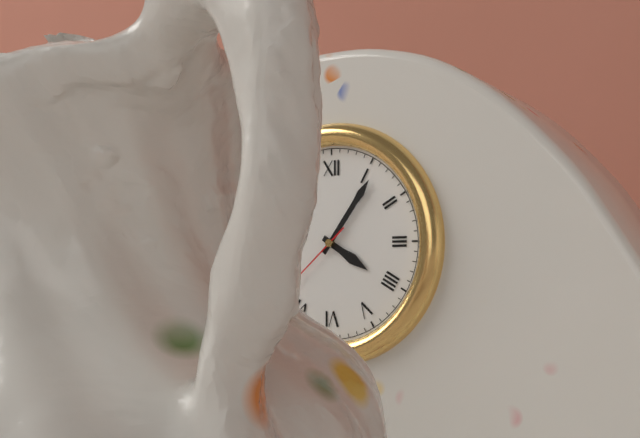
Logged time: 4 h 06 min
